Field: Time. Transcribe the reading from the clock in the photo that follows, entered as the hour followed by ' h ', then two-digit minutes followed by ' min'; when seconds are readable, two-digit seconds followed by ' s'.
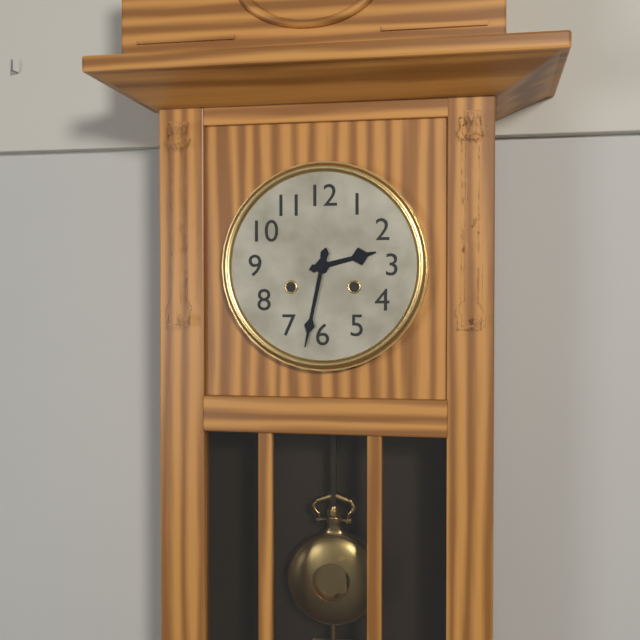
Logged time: 2 h 32 min
